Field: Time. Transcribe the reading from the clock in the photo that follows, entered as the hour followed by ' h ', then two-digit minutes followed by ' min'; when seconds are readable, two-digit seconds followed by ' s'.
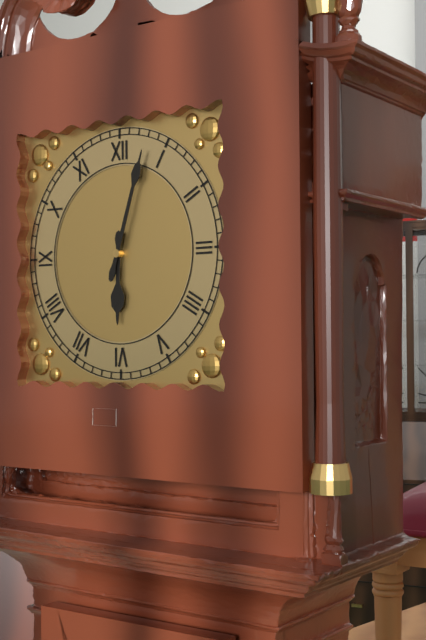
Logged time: 6 h 03 min
